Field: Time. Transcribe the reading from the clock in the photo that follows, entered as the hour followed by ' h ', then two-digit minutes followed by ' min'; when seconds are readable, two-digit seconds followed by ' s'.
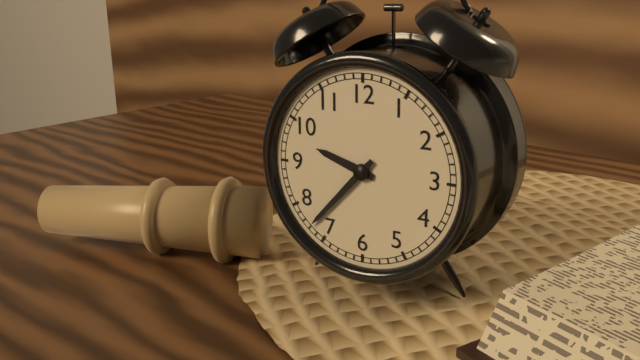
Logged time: 9 h 37 min
